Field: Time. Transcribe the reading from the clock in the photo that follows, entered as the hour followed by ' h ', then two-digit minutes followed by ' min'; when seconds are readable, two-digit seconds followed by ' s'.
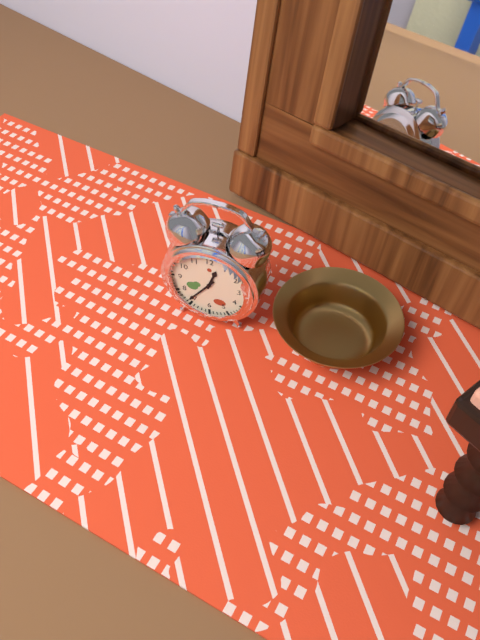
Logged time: 12 h 36 min
